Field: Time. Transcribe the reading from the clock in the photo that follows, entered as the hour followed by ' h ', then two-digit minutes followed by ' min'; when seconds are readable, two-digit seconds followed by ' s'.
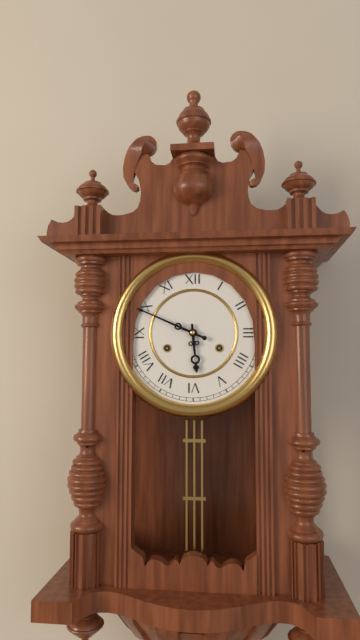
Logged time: 5 h 49 min
